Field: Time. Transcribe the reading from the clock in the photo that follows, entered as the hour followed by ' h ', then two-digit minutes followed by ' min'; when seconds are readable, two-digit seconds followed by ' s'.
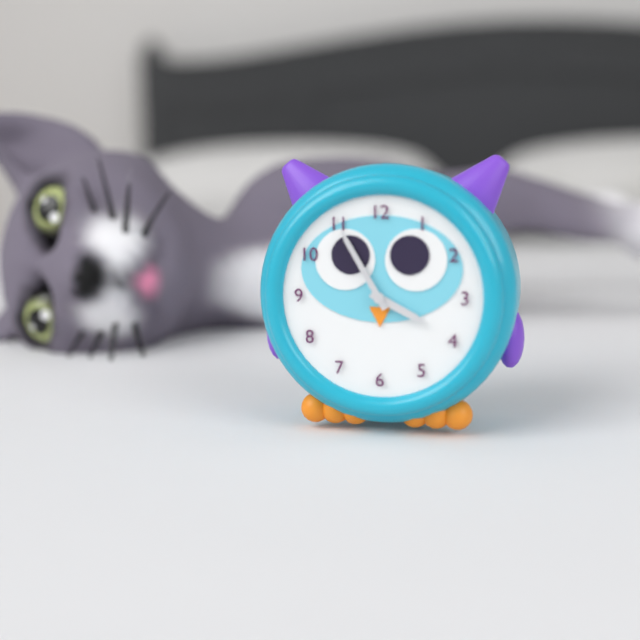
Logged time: 3 h 55 min
